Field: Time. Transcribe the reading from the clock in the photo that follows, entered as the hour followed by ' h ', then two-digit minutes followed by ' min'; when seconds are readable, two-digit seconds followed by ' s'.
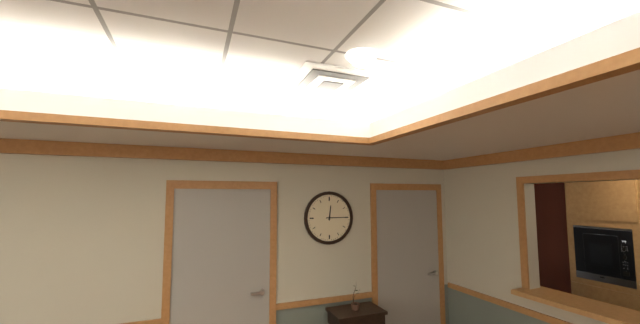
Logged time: 12 h 15 min
